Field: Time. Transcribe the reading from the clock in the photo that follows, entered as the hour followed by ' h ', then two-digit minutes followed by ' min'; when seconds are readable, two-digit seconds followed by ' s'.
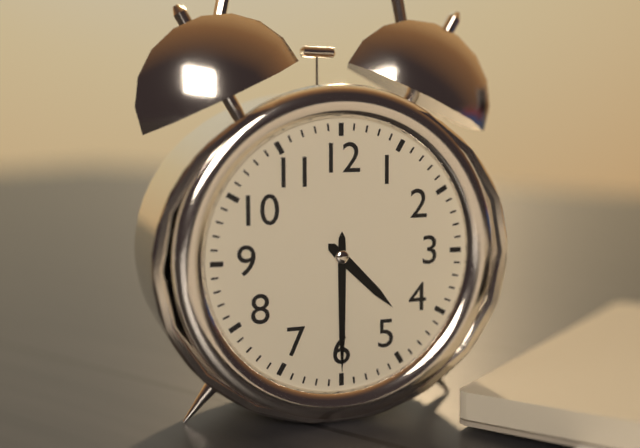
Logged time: 4 h 30 min
